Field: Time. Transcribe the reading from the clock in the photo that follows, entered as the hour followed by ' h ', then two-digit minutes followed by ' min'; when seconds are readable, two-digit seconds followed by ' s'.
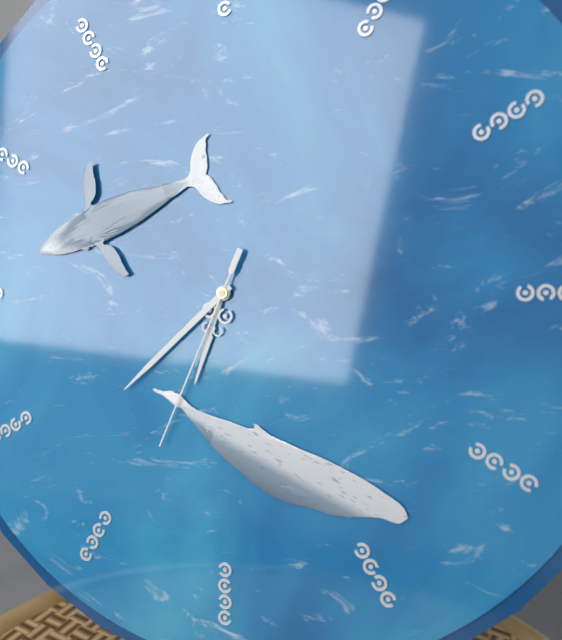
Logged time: 6 h 38 min 34 s
